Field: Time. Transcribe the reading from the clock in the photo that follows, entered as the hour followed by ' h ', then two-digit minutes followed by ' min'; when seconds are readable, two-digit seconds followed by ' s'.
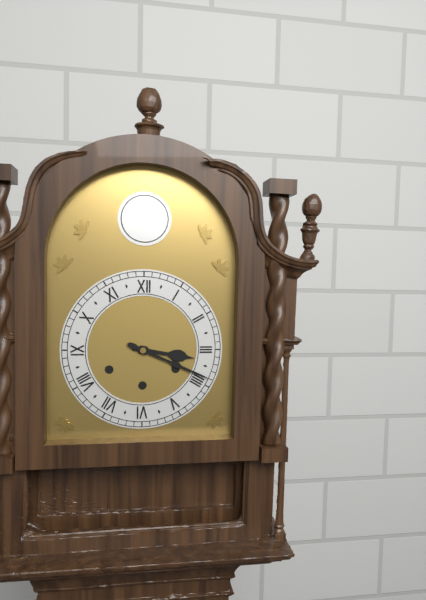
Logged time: 3 h 19 min
